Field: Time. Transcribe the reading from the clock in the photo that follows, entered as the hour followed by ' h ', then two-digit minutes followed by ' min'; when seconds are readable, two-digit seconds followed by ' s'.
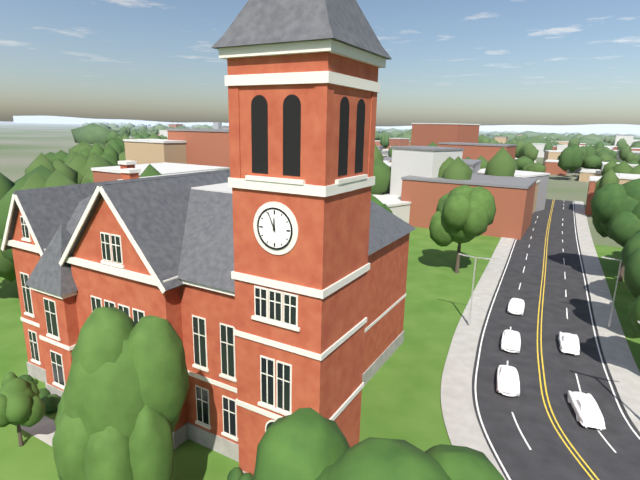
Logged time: 11 h 56 min
